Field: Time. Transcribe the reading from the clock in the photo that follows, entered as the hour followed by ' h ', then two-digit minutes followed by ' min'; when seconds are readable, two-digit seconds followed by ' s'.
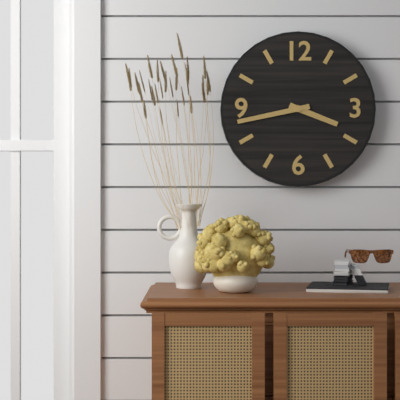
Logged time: 3 h 43 min
